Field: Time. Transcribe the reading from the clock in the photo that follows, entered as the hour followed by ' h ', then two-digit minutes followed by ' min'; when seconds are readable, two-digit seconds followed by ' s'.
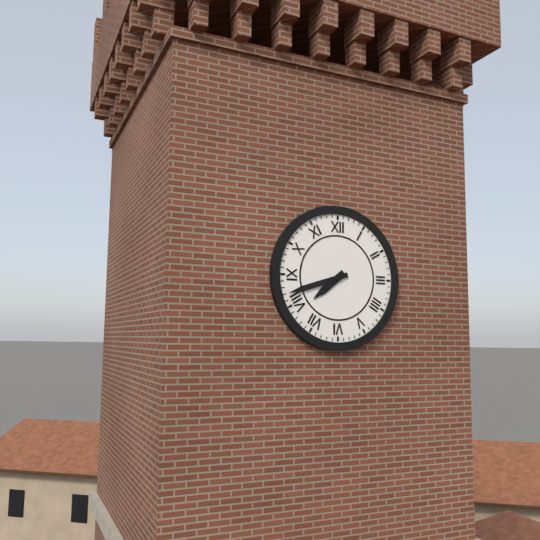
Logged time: 7 h 42 min
